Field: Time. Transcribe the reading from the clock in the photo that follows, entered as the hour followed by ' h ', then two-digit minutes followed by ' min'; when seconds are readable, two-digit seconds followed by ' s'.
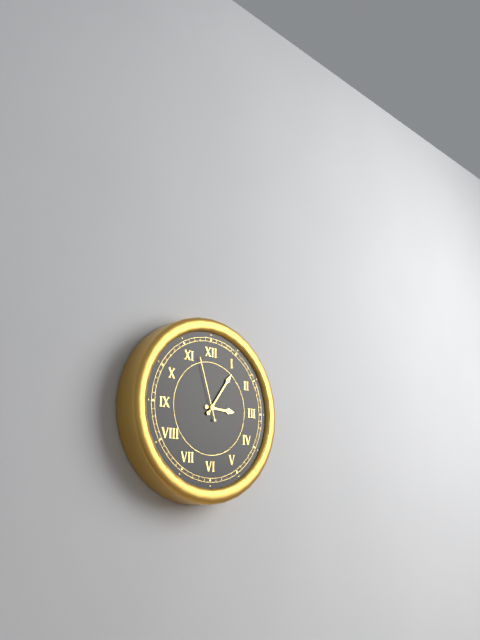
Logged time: 3 h 06 min 57 s
